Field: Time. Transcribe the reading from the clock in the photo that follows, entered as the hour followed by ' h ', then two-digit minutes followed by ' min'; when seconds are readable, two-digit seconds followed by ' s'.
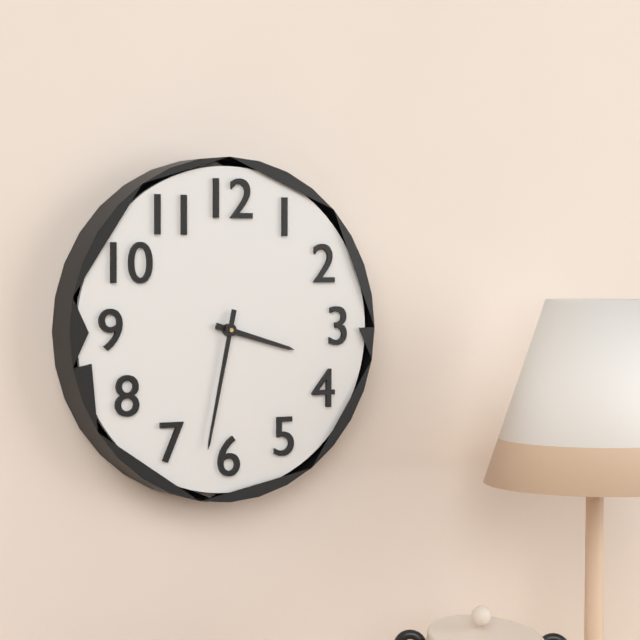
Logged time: 3 h 32 min
